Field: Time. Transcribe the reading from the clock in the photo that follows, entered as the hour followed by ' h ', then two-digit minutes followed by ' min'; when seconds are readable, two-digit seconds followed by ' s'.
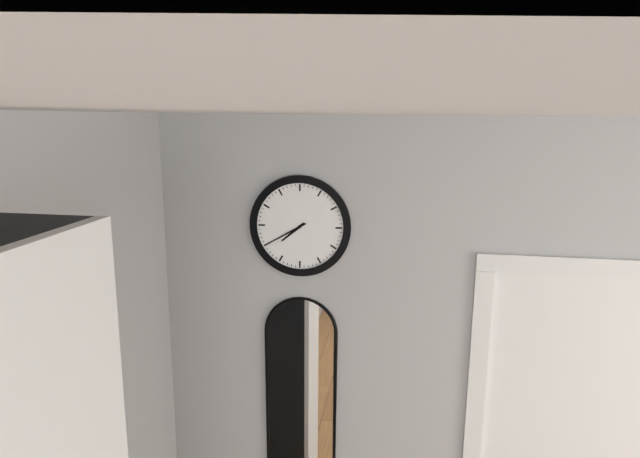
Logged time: 7 h 40 min
